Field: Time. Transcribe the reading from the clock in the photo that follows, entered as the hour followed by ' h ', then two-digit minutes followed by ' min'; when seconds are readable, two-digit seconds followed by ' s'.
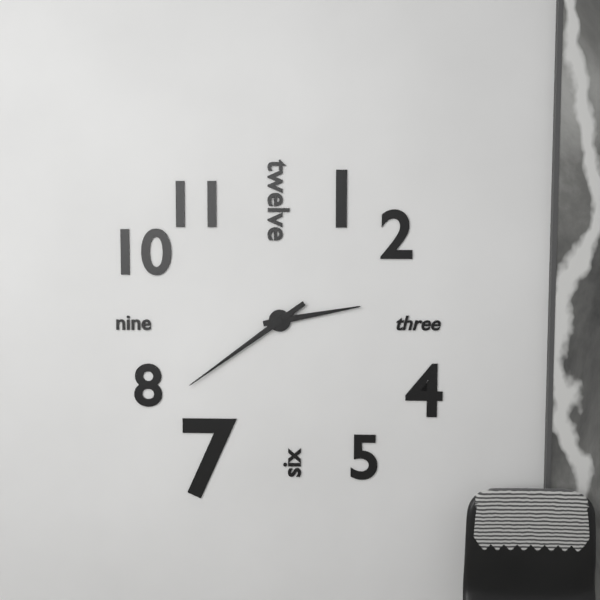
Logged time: 2 h 39 min
